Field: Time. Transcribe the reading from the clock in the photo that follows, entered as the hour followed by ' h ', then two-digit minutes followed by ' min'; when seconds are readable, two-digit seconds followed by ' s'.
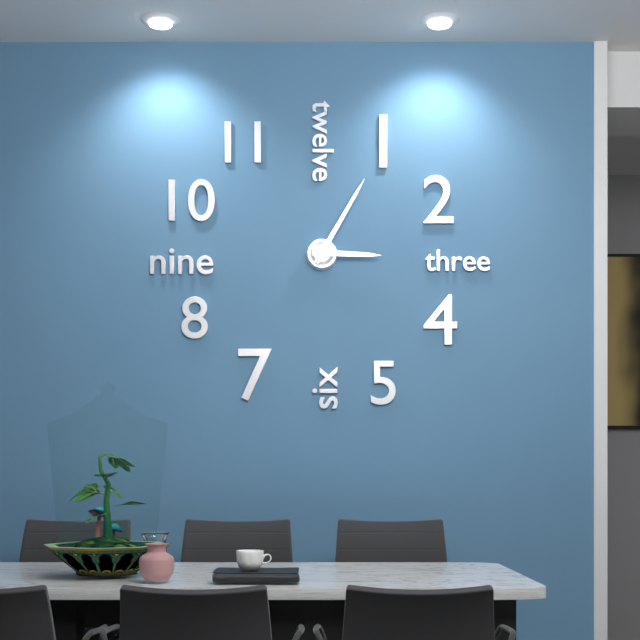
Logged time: 3 h 05 min
